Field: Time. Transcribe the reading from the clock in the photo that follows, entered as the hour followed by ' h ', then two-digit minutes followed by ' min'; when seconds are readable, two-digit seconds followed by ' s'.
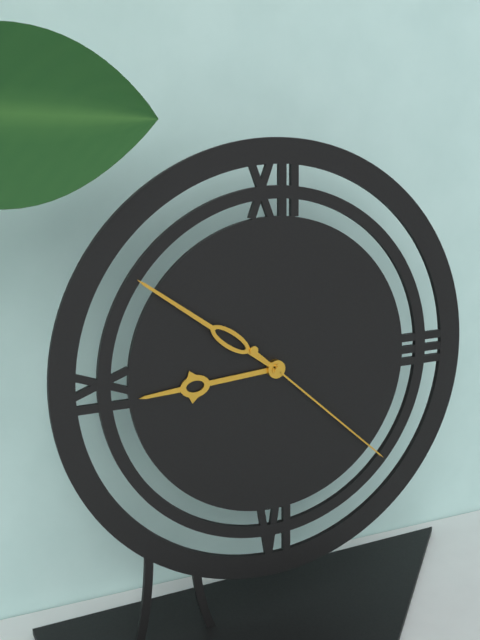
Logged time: 8 h 51 min 22 s
